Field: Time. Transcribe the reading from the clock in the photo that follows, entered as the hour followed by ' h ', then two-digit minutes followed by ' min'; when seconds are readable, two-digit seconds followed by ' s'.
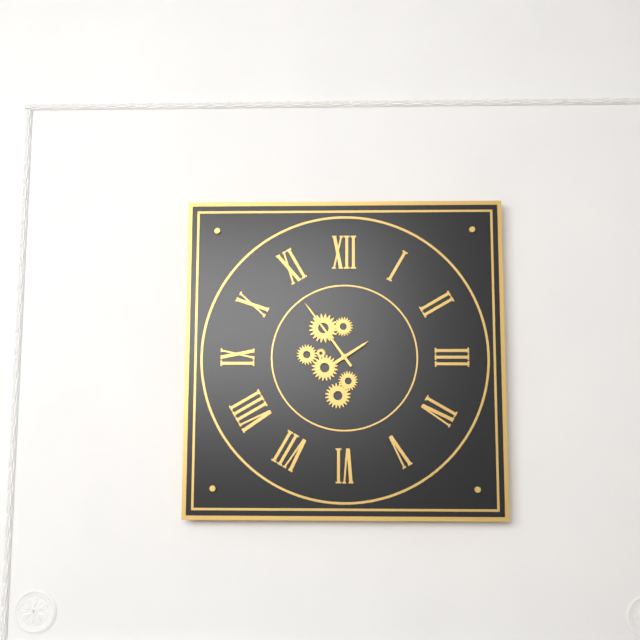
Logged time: 1 h 54 min
